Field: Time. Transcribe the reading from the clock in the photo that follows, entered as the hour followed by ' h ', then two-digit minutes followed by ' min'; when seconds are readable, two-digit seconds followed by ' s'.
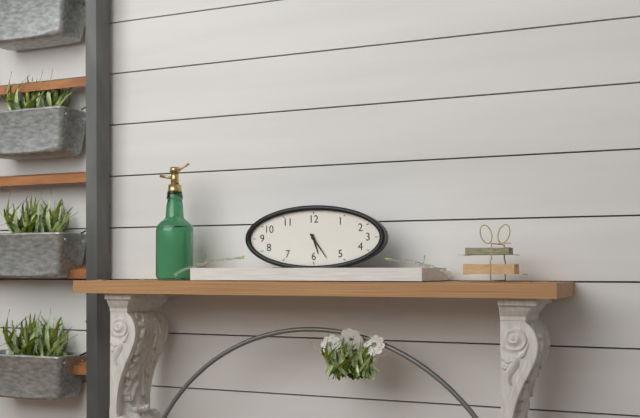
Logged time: 5 h 24 min
